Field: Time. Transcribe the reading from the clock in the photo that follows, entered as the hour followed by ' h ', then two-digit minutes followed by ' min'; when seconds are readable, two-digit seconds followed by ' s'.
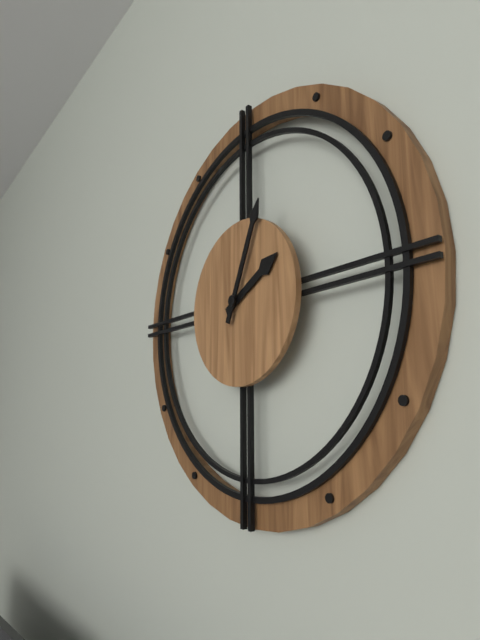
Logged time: 2 h 04 min
